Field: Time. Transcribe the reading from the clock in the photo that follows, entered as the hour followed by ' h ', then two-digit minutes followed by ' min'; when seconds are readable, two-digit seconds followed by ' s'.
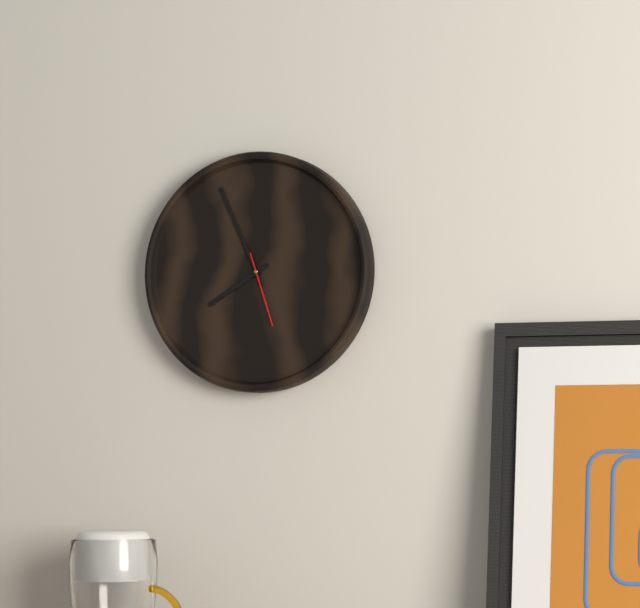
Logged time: 7 h 56 min 27 s
